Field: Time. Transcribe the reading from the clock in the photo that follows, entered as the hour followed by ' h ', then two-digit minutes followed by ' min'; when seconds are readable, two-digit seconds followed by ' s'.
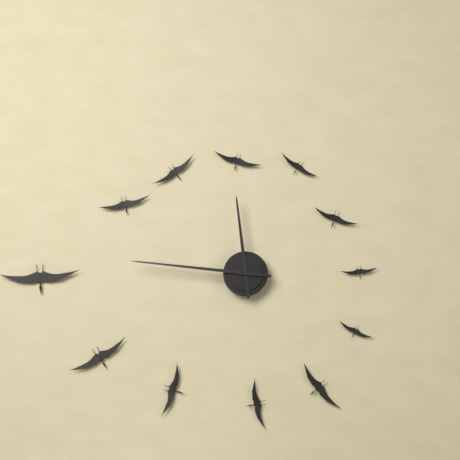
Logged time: 11 h 46 min
